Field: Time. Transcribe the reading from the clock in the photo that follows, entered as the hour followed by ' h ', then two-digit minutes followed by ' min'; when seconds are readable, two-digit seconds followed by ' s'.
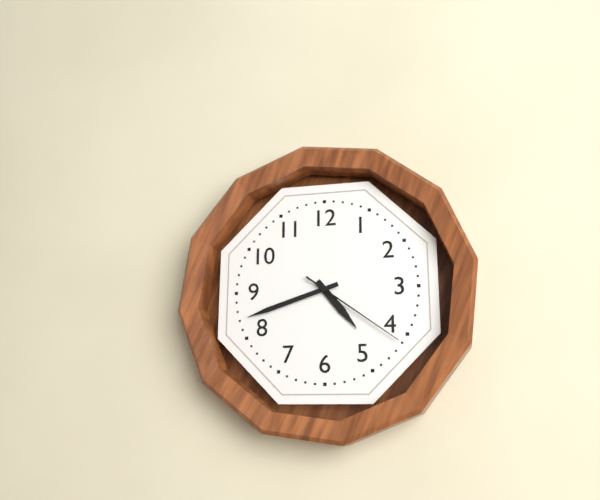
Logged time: 4 h 42 min 21 s
